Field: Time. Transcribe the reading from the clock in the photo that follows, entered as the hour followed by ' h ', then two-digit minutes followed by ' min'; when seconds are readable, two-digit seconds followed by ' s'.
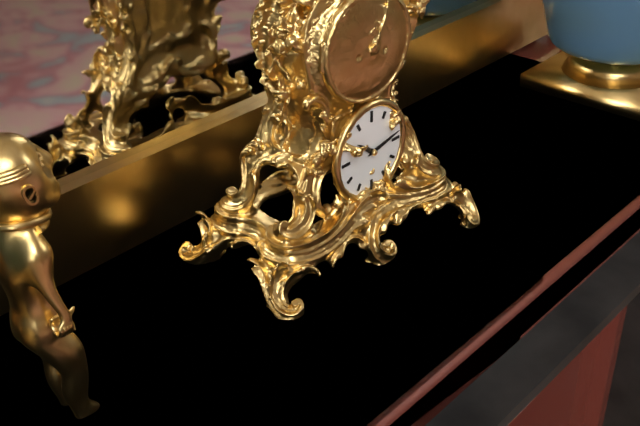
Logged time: 10 h 13 min
